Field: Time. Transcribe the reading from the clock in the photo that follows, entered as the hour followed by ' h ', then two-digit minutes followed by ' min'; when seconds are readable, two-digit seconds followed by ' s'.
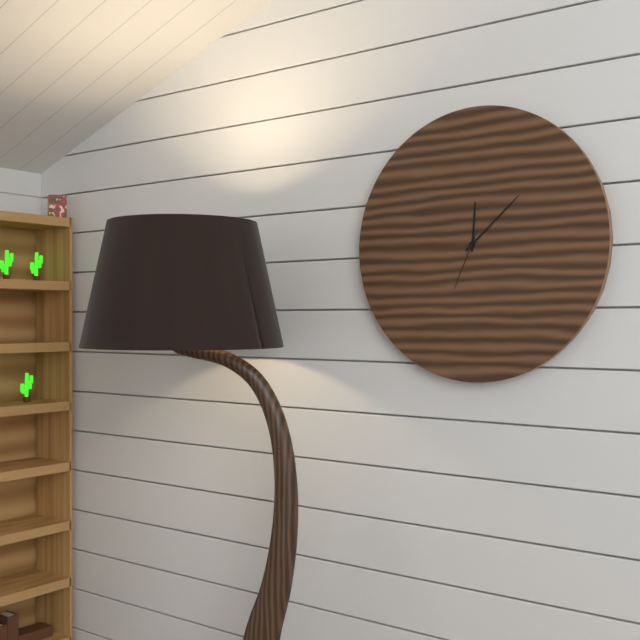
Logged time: 12 h 08 min 34 s
